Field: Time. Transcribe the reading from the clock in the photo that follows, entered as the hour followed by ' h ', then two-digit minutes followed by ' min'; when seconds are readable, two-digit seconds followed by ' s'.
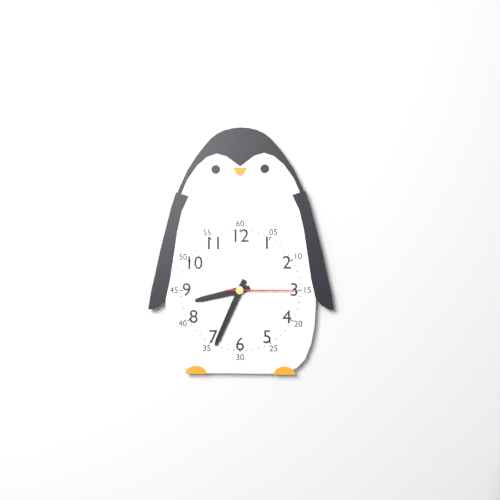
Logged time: 8 h 34 min 15 s
